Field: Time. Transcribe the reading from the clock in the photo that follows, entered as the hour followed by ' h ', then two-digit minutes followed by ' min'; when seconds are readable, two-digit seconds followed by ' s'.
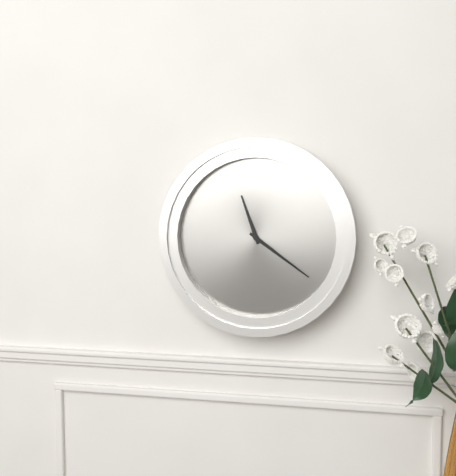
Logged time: 11 h 21 min
